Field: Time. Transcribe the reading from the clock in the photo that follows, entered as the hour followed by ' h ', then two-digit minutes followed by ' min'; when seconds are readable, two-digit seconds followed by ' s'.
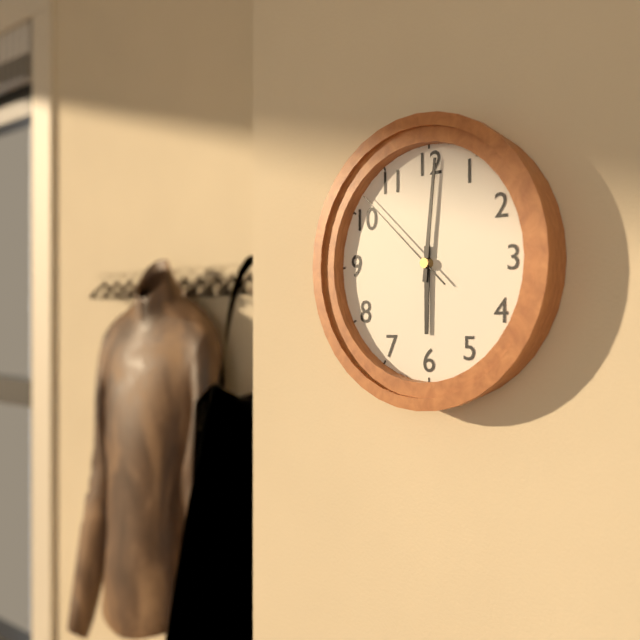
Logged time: 6 h 01 min 52 s
